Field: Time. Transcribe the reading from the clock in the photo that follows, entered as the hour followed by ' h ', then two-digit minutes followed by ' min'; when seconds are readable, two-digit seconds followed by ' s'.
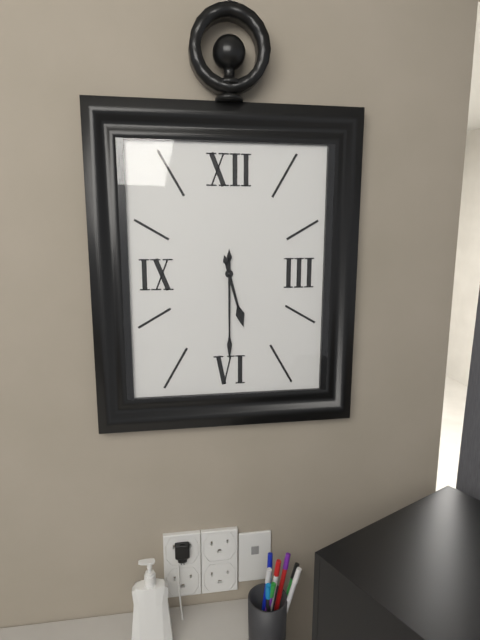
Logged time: 5 h 30 min
